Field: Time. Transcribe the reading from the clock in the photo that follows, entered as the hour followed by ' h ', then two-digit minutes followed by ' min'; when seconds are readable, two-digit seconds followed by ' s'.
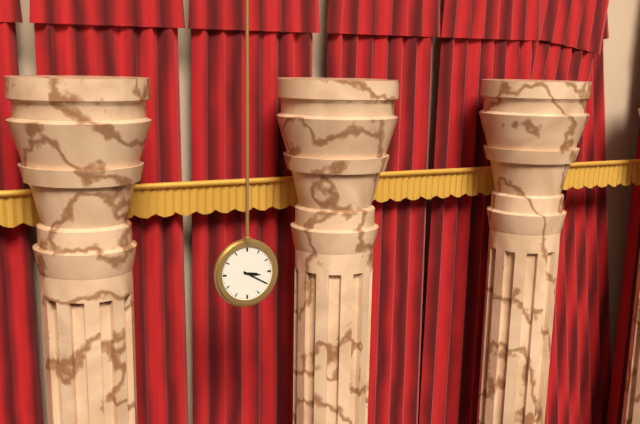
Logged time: 3 h 20 min
